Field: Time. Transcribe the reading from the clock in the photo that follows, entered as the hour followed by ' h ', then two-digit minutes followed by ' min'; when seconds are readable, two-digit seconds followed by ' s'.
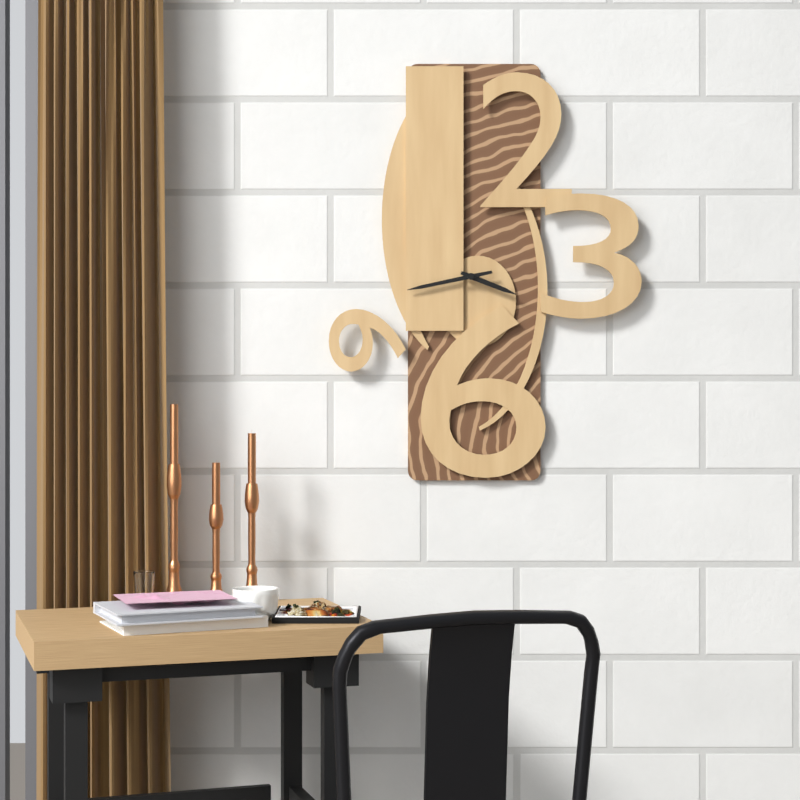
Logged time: 3 h 43 min
